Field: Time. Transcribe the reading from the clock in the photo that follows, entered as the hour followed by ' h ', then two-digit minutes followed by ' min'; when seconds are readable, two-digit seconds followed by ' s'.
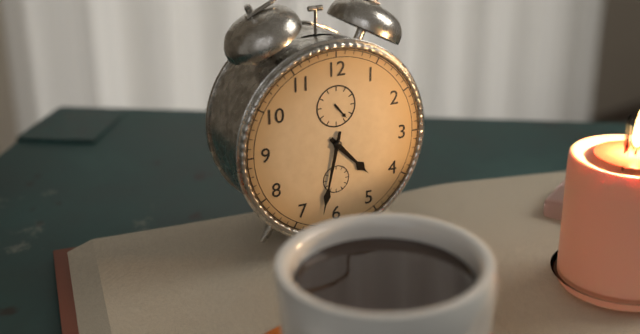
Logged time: 4 h 32 min
